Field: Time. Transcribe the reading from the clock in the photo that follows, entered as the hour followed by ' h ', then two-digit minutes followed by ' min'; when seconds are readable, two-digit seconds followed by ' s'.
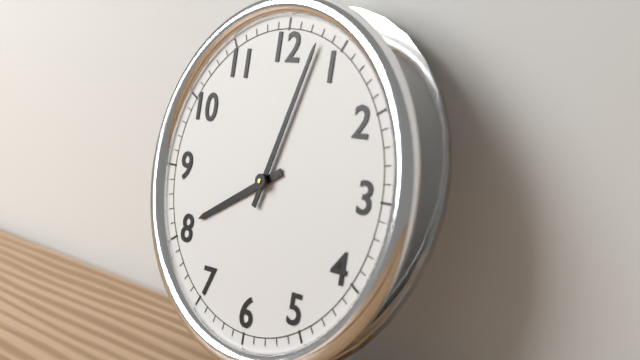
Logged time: 8 h 03 min
